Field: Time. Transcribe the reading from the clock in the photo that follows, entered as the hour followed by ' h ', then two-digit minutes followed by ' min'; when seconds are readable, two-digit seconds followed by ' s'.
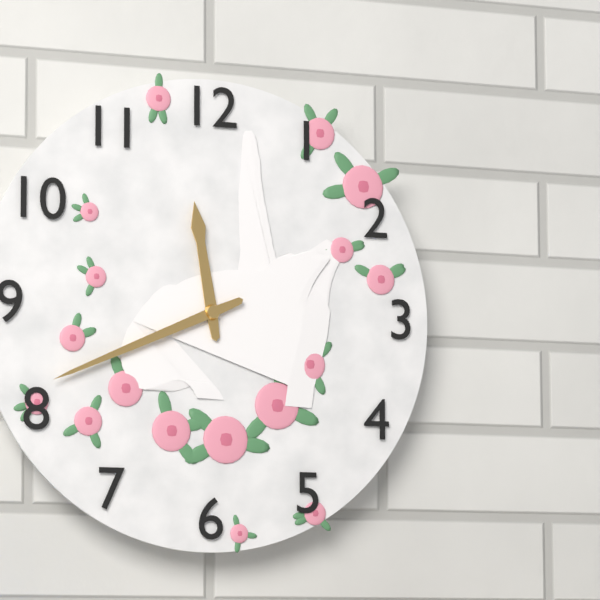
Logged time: 11 h 41 min
